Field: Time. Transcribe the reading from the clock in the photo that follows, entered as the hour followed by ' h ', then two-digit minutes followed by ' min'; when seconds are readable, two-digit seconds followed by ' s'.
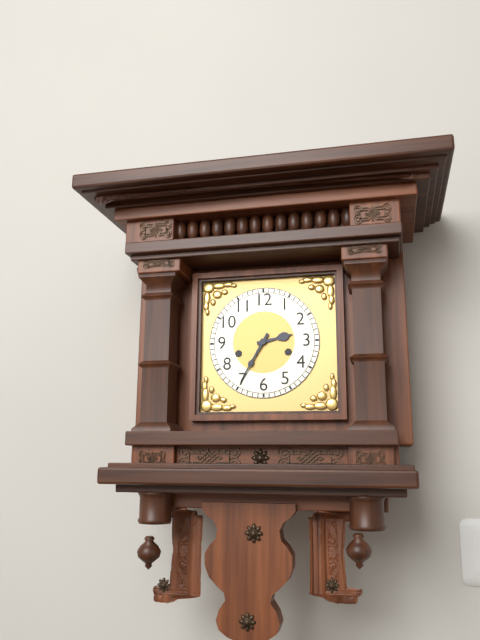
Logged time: 2 h 35 min
